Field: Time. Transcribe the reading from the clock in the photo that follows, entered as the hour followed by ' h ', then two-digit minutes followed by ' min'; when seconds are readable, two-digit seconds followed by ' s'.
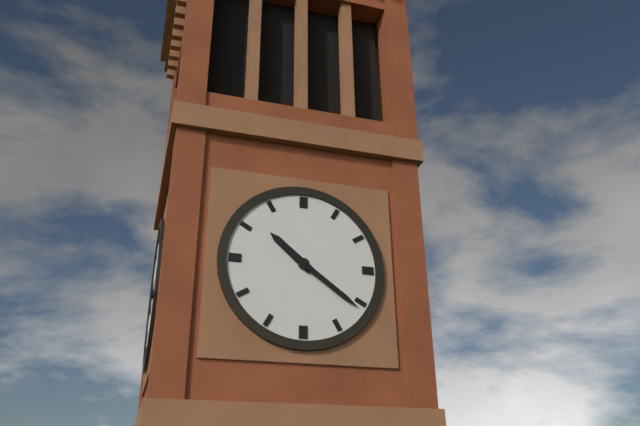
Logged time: 10 h 21 min
